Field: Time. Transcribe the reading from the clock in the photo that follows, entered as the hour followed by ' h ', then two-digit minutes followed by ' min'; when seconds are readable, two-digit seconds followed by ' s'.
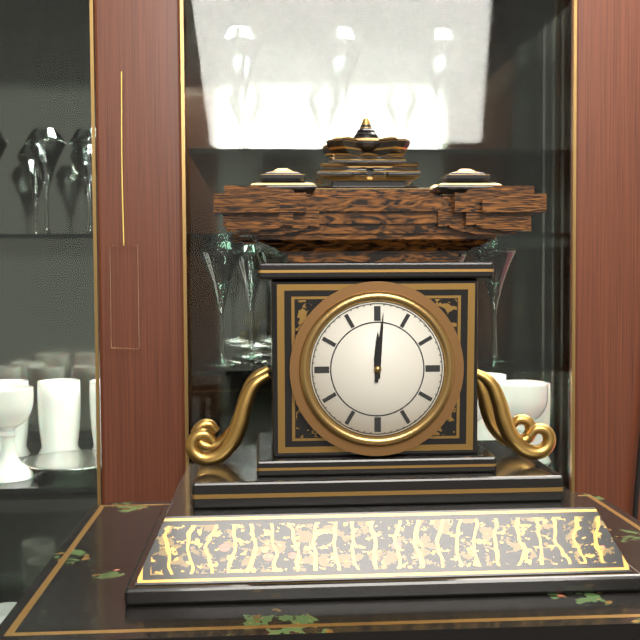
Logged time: 12 h 01 min
